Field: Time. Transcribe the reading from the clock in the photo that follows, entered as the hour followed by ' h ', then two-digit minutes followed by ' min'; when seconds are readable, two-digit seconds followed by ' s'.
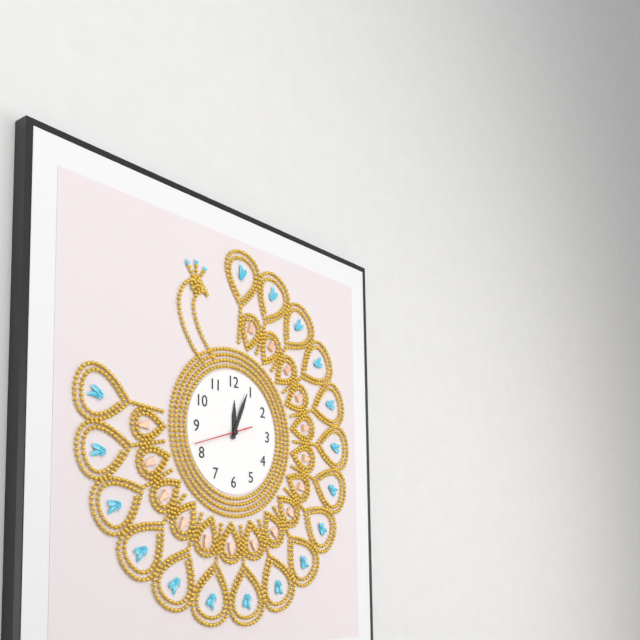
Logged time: 12 h 04 min 42 s
